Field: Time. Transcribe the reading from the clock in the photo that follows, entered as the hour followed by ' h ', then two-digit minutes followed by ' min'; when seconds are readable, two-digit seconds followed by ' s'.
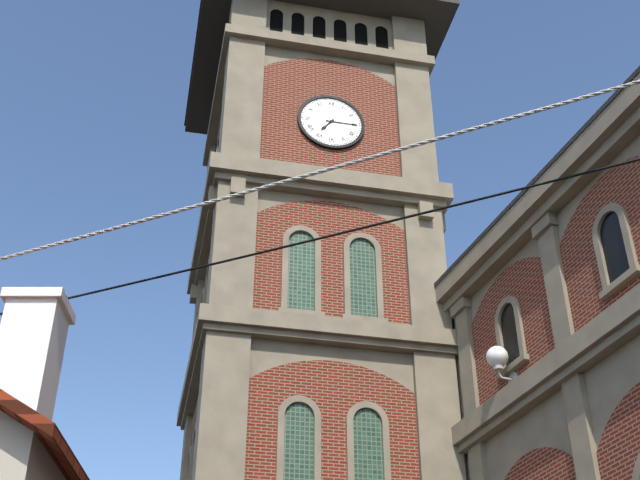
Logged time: 7 h 15 min
